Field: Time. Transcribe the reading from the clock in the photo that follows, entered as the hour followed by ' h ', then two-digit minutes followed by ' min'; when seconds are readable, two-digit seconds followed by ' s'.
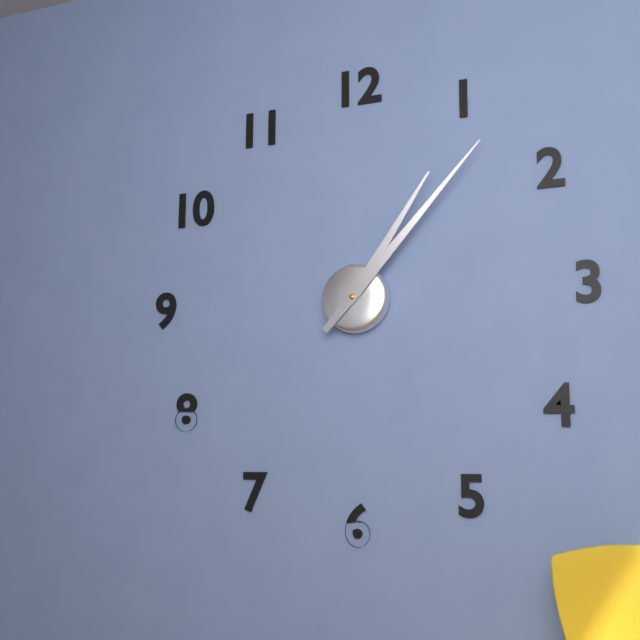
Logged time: 1 h 07 min
